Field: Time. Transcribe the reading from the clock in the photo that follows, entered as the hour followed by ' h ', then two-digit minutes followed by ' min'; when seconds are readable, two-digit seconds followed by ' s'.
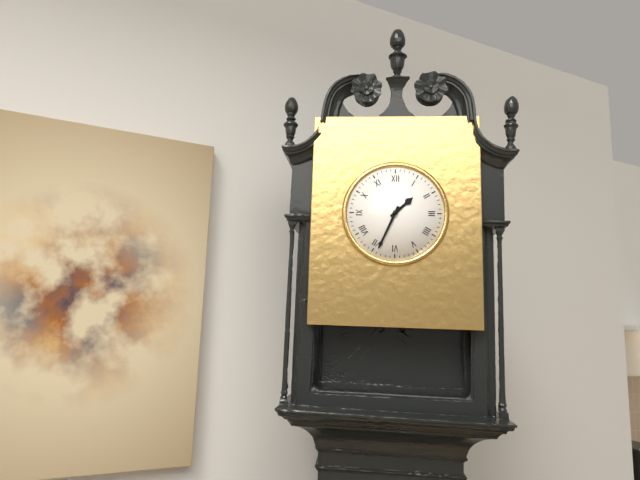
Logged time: 1 h 34 min
